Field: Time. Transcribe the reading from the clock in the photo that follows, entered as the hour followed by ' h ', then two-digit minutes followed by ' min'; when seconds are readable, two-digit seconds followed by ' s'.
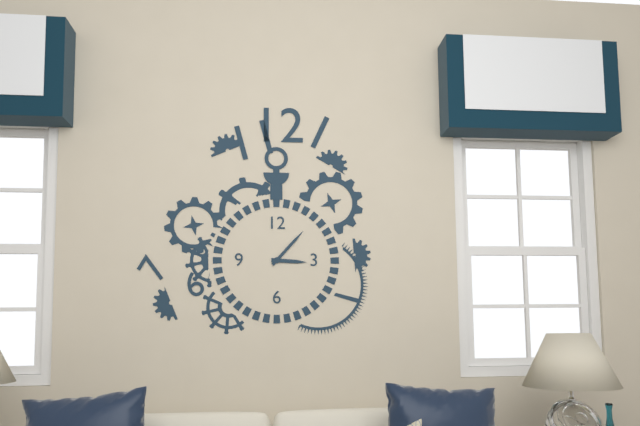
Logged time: 3 h 07 min
